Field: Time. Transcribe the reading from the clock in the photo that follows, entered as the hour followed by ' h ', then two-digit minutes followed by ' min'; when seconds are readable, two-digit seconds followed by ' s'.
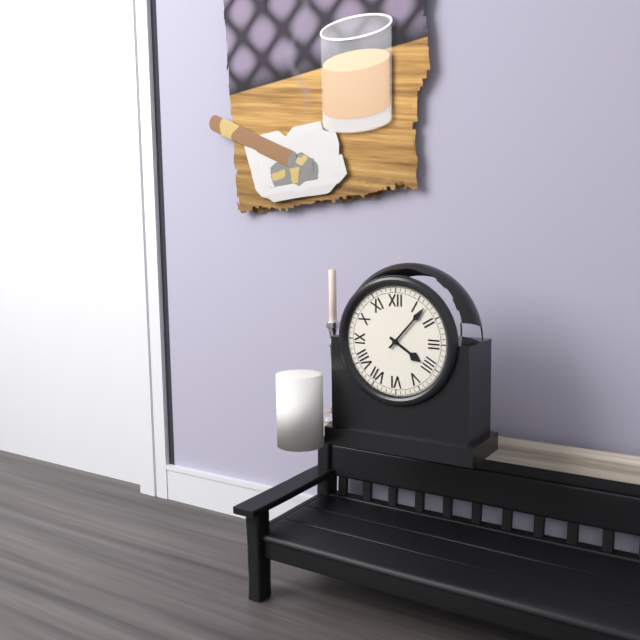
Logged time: 4 h 07 min
